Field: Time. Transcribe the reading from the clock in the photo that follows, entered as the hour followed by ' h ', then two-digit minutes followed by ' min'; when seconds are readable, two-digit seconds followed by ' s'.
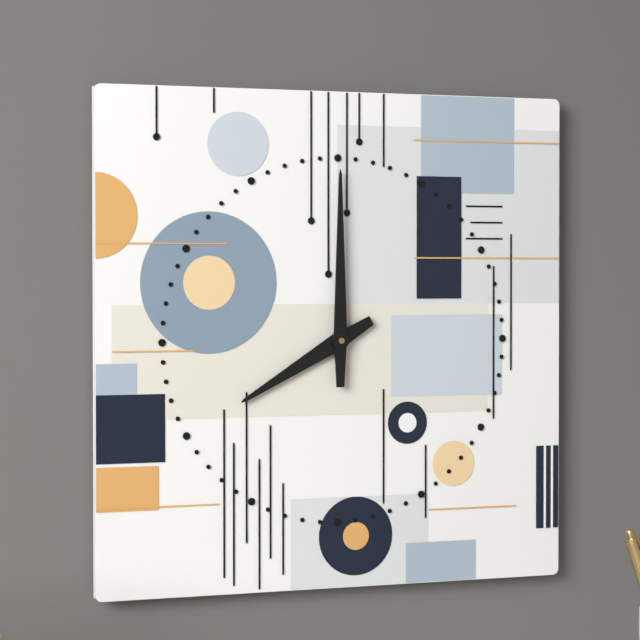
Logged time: 8 h 00 min
